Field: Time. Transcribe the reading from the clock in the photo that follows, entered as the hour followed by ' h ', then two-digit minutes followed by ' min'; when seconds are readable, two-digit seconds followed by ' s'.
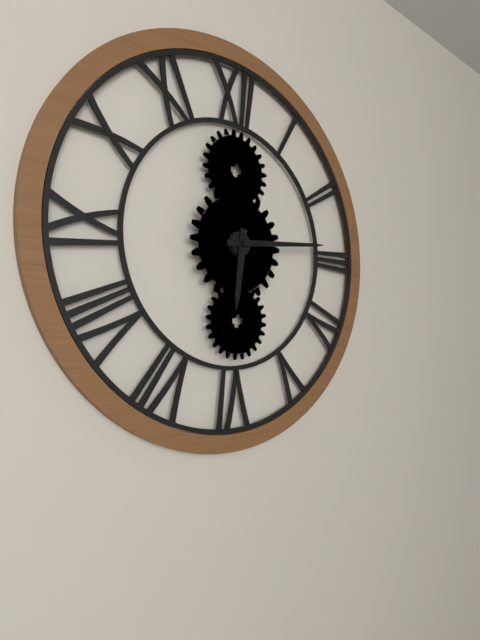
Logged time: 6 h 14 min
